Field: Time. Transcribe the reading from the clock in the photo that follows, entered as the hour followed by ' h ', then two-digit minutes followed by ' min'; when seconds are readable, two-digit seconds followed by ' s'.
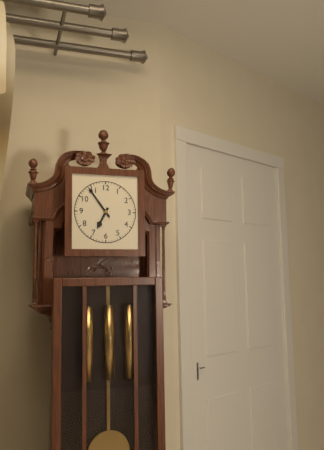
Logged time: 6 h 54 min
